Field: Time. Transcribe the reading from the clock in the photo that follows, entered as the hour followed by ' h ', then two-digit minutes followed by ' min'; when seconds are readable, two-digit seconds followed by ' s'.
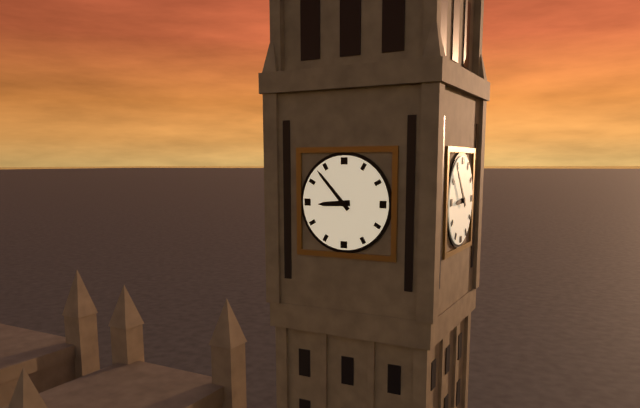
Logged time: 8 h 53 min
